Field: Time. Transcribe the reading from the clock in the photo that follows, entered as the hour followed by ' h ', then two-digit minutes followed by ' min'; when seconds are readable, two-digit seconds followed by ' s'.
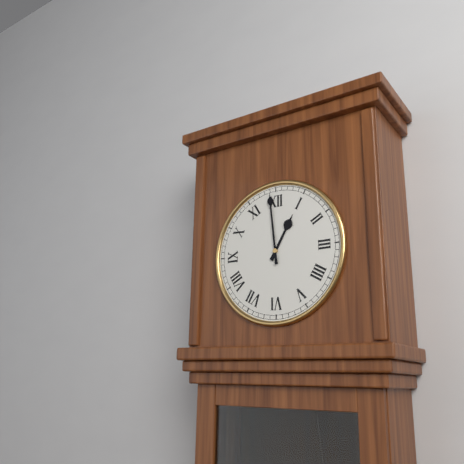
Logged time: 12 h 59 min
